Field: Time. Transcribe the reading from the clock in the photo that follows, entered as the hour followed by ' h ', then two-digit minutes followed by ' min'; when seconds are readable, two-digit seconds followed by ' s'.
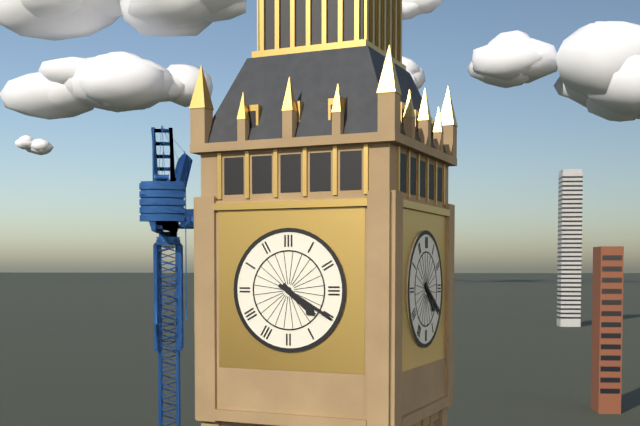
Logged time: 4 h 20 min
